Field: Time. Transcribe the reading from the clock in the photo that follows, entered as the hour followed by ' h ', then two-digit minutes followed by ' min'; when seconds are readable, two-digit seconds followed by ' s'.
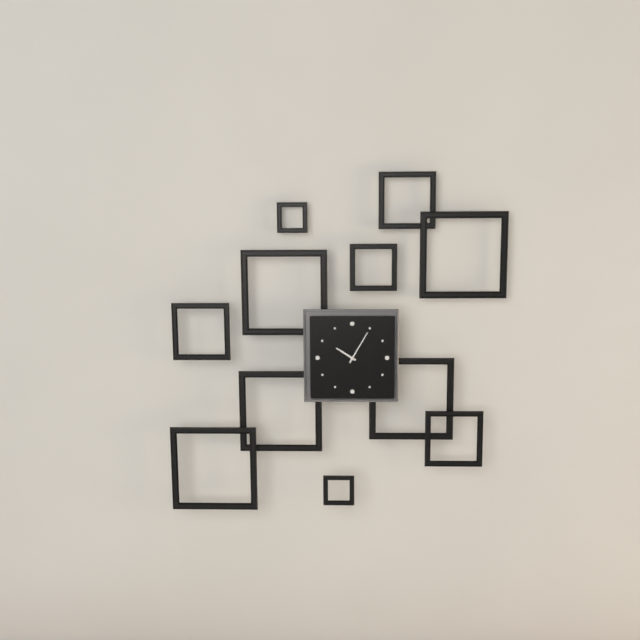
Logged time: 10 h 05 min
